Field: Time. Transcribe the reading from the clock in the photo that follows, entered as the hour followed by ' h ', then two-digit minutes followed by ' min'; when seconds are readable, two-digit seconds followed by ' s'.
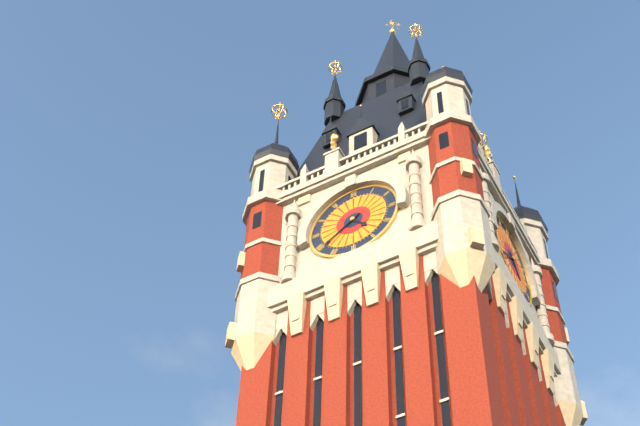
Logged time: 4 h 39 min
